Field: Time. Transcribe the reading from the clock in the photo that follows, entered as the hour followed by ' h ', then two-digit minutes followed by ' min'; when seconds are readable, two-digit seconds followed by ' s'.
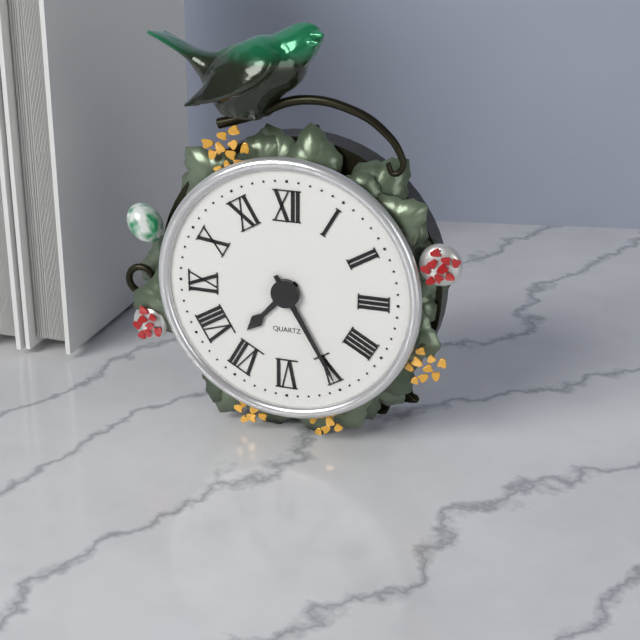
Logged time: 7 h 25 min
